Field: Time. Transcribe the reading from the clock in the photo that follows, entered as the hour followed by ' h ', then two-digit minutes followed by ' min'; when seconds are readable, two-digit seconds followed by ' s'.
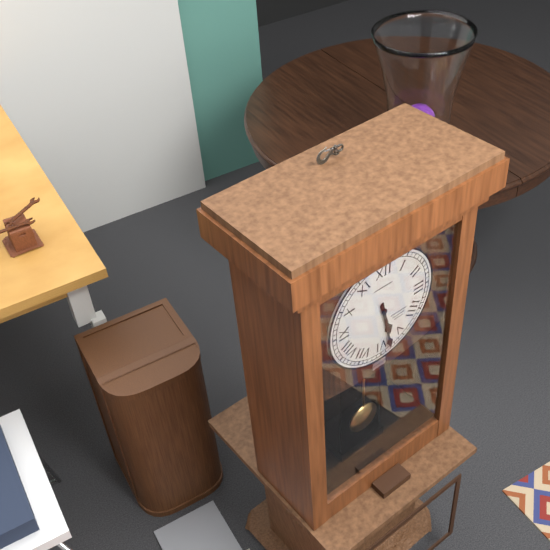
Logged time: 5 h 28 min
